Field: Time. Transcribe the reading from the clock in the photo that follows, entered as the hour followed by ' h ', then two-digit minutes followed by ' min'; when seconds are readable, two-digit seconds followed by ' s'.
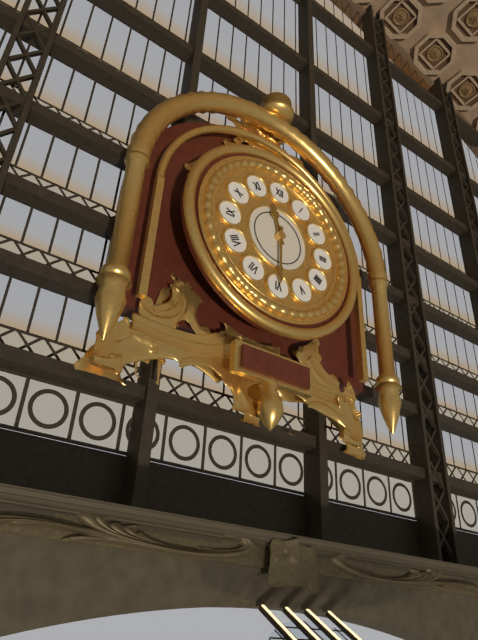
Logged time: 11 h 30 min
